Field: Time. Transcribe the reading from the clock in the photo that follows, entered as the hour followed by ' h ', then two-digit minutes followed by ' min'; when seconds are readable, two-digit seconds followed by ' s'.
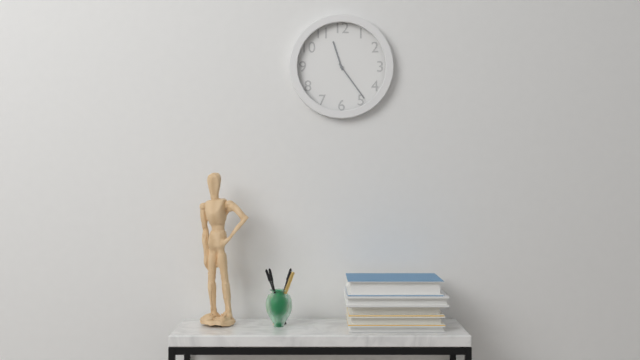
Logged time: 11 h 24 min
